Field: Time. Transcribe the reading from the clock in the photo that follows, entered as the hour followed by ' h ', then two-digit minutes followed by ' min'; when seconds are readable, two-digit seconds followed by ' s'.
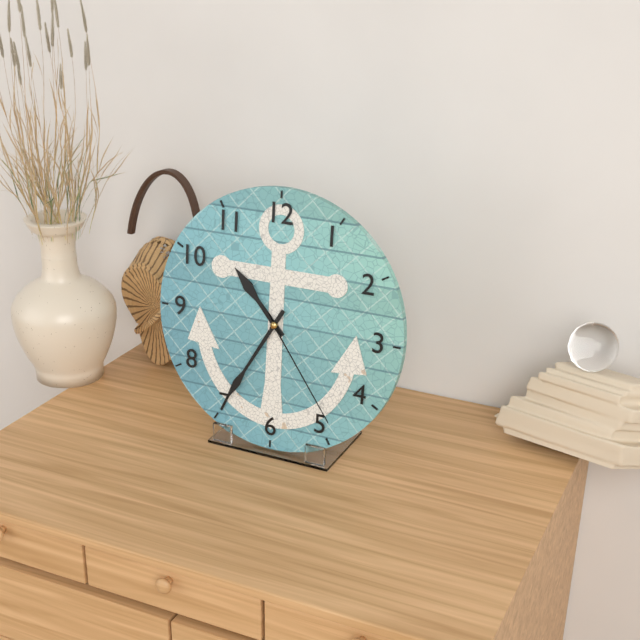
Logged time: 10 h 35 min 24 s
